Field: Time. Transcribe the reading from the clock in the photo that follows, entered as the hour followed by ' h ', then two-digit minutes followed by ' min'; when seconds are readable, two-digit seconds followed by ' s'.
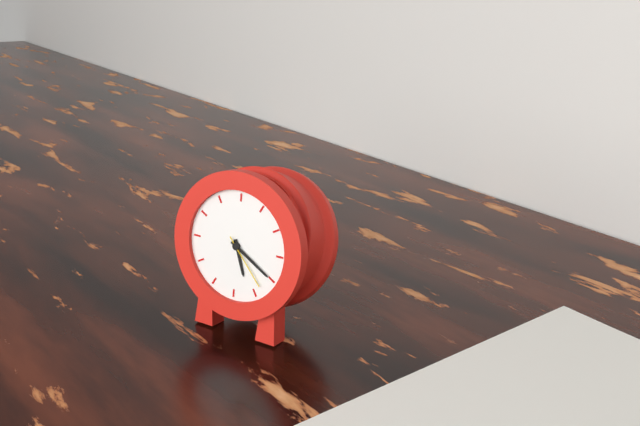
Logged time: 5 h 20 min 23 s
